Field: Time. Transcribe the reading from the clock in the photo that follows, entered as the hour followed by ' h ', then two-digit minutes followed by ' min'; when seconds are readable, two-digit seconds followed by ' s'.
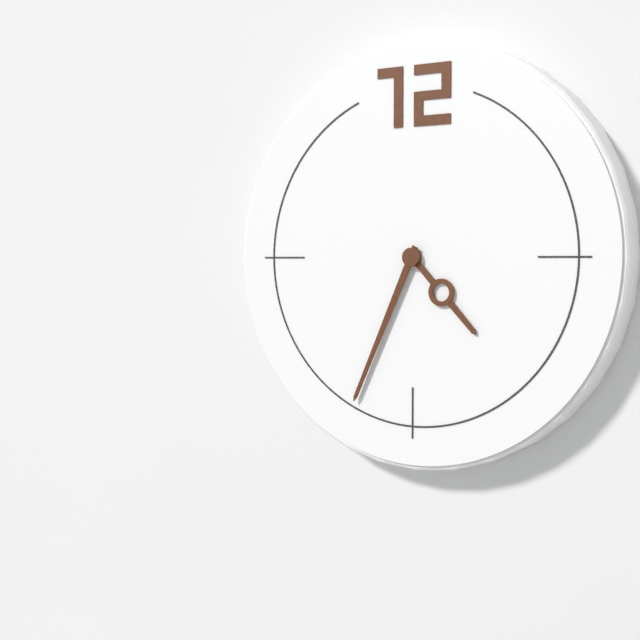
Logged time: 4 h 34 min
